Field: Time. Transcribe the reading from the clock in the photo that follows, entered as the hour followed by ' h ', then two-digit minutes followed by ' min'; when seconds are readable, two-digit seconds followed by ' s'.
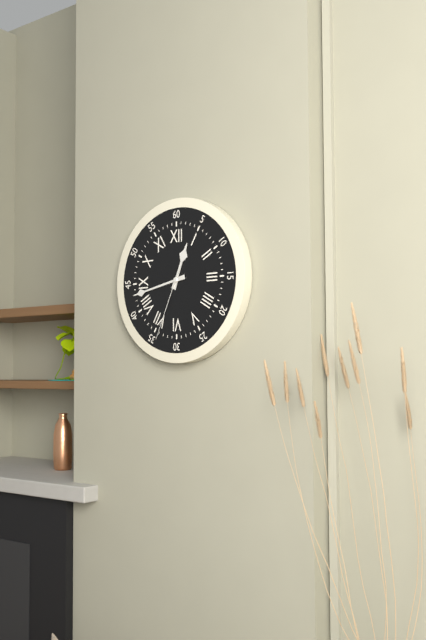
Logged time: 12 h 43 min 34 s
